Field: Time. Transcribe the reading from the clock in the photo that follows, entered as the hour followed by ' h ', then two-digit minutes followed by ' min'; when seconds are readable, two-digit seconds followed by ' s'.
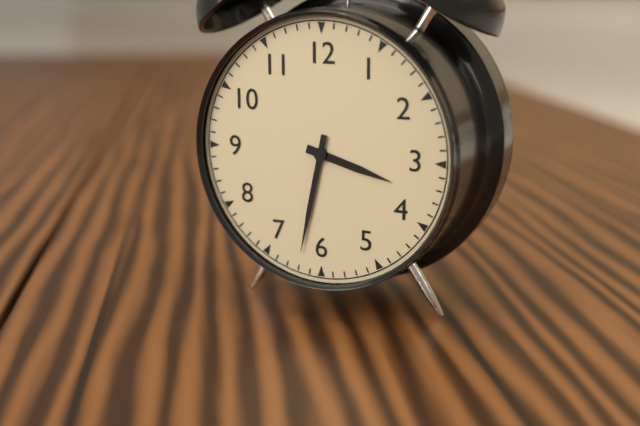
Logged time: 3 h 32 min
